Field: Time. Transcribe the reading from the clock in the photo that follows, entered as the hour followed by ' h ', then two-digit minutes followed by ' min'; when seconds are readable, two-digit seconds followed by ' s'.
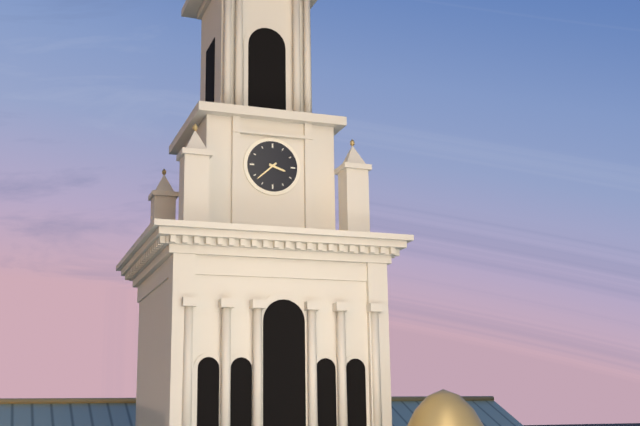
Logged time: 3 h 38 min
